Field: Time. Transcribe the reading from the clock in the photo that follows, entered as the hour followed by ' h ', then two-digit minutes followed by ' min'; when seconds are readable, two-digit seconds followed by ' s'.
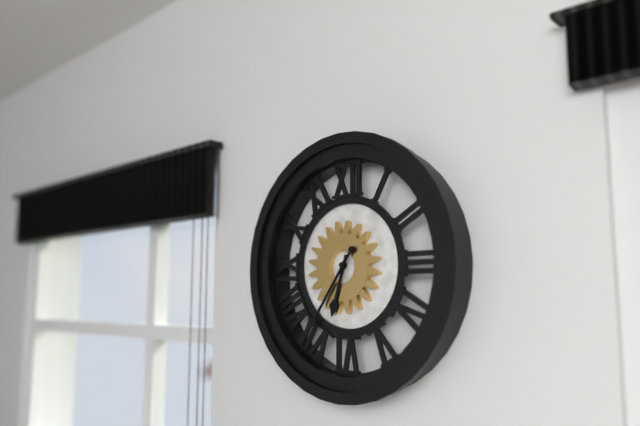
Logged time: 6 h 36 min
